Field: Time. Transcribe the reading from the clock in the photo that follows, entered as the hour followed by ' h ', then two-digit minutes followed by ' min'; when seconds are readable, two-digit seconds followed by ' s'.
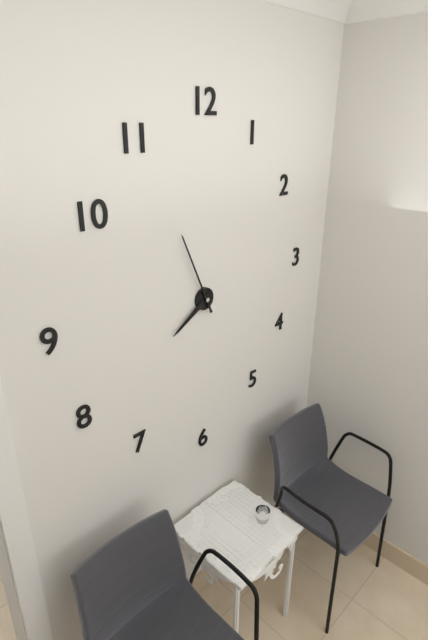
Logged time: 7 h 56 min
